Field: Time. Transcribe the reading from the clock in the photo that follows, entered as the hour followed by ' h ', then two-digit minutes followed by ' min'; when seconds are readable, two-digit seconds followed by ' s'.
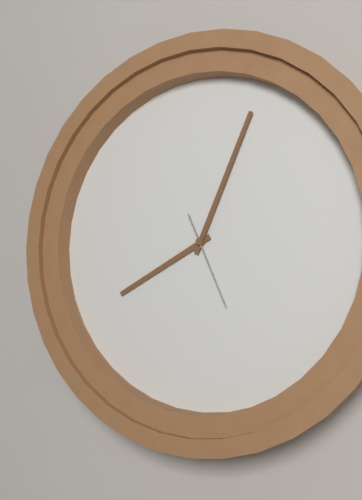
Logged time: 8 h 04 min 26 s
